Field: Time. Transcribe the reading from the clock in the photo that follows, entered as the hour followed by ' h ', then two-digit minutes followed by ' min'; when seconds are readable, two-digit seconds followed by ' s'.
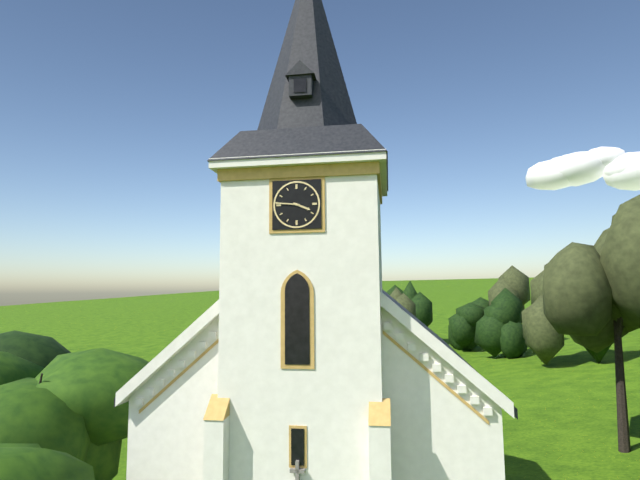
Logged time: 3 h 46 min
